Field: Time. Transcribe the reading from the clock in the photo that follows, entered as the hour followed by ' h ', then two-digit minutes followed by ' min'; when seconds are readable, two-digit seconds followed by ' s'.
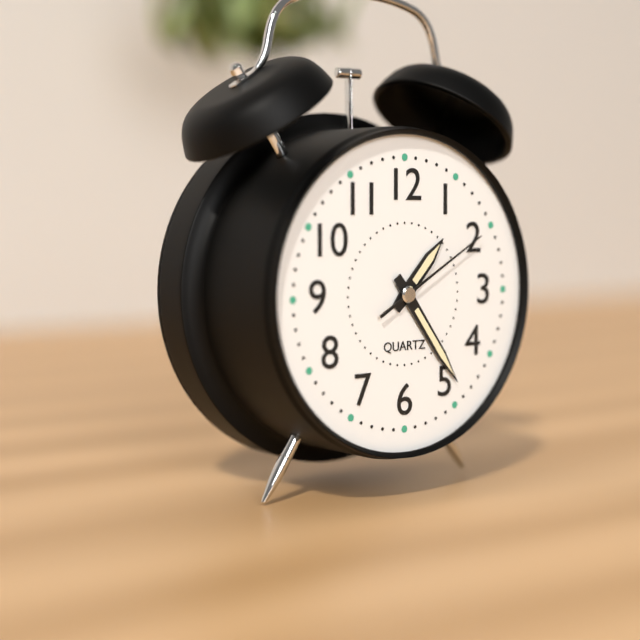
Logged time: 1 h 24 min 10 s
